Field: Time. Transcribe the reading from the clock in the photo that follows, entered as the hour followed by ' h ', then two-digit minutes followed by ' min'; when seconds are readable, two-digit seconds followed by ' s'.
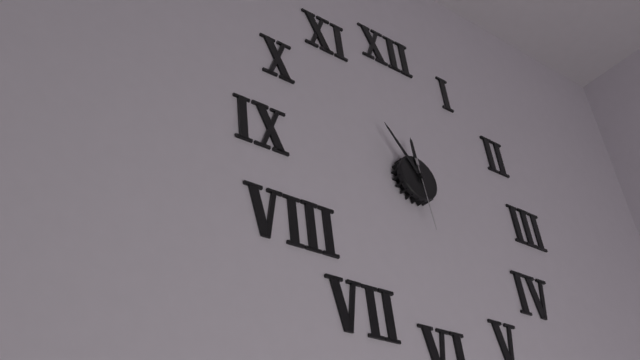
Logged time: 11 h 54 min 29 s
